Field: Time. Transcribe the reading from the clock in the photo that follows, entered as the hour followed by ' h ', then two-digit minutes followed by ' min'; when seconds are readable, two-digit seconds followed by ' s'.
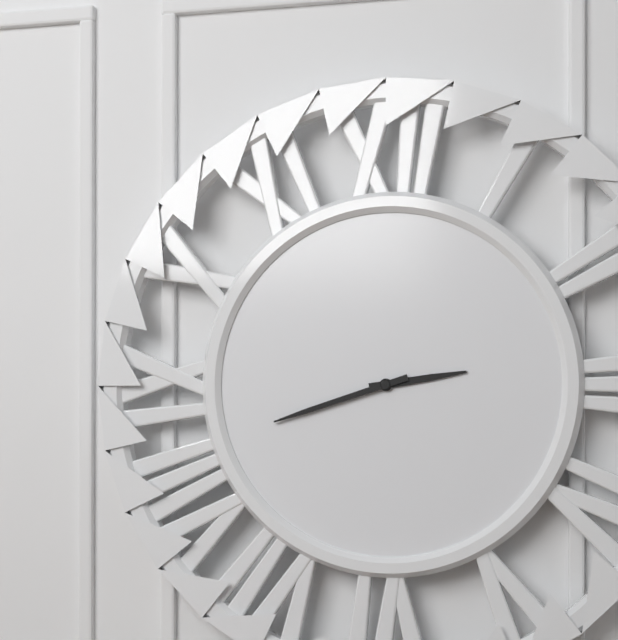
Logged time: 2 h 42 min
